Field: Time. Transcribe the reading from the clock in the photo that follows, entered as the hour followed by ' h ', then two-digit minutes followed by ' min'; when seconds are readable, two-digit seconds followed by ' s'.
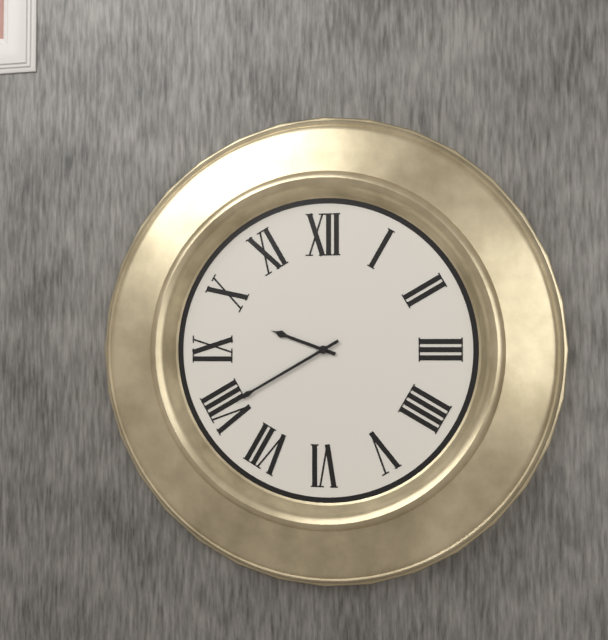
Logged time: 9 h 40 min
